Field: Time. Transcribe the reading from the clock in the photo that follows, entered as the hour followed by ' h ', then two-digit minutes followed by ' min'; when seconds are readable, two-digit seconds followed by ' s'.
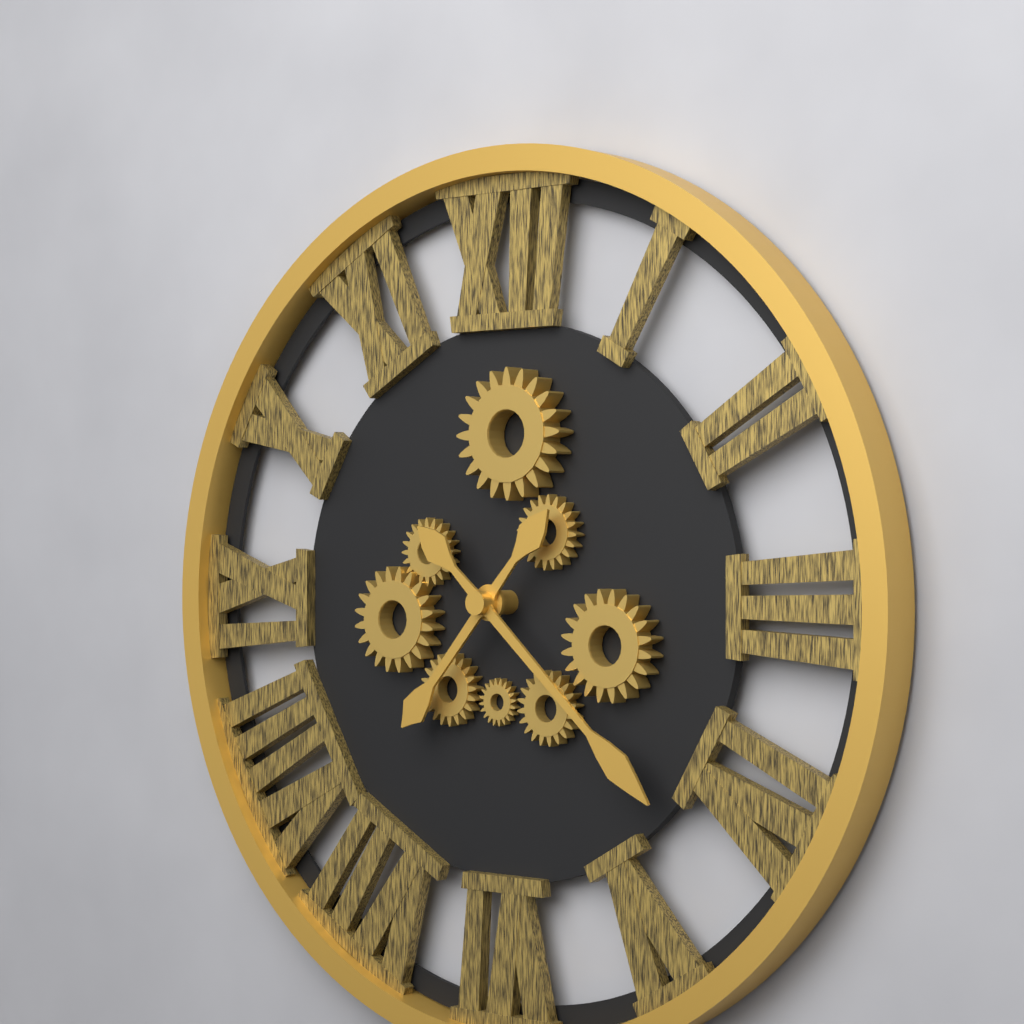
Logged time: 7 h 22 min
